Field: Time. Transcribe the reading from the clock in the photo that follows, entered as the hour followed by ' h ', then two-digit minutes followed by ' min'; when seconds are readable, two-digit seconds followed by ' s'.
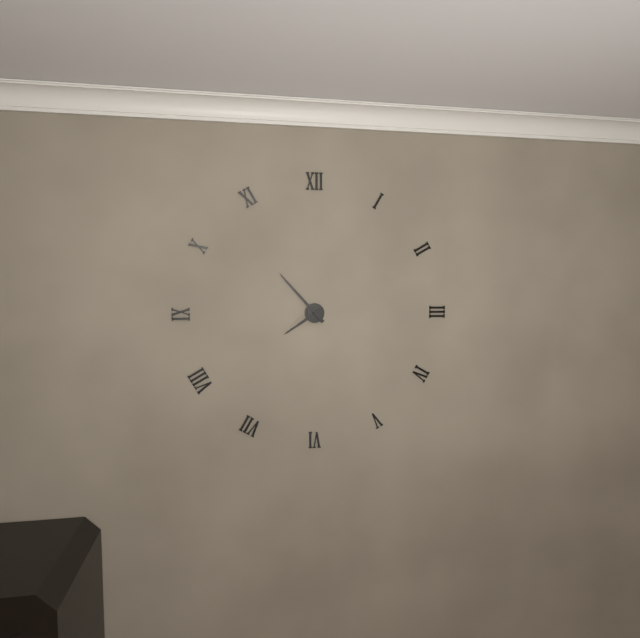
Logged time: 7 h 53 min
